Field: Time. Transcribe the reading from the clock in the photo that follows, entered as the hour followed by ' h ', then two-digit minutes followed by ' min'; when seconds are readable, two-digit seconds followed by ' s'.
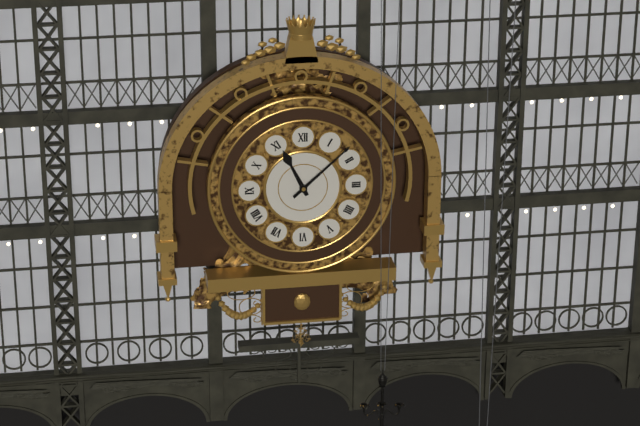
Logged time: 11 h 08 min
